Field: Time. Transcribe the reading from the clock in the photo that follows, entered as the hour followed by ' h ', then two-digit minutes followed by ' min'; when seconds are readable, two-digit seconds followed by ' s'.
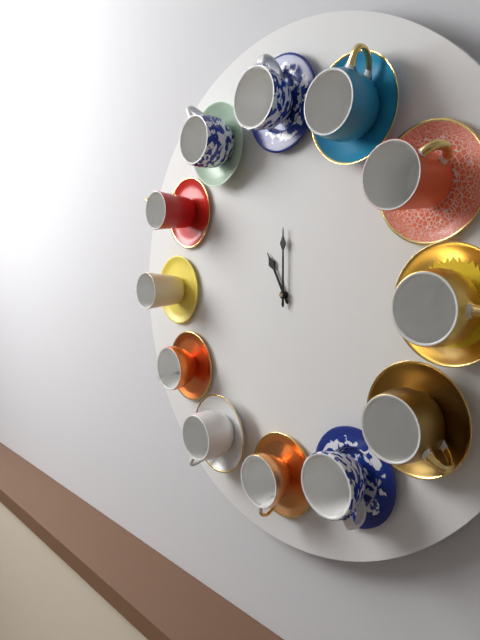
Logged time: 11 h 00 min
